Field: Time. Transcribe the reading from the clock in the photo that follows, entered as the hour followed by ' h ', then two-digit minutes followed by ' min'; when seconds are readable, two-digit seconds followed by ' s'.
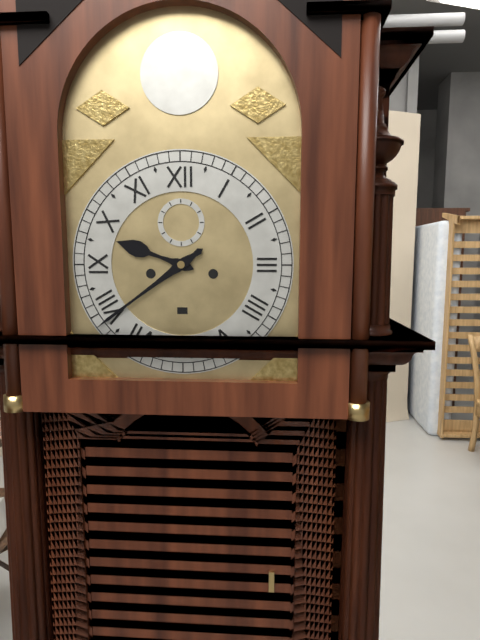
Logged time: 9 h 39 min
